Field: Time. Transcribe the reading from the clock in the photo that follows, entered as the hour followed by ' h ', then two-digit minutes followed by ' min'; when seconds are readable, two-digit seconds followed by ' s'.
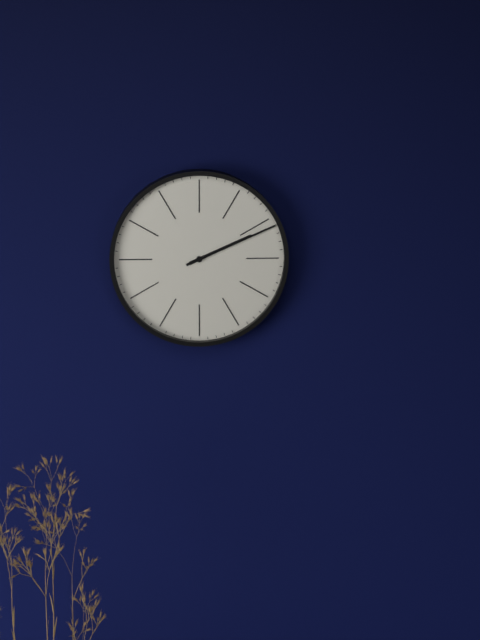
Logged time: 2 h 11 min
